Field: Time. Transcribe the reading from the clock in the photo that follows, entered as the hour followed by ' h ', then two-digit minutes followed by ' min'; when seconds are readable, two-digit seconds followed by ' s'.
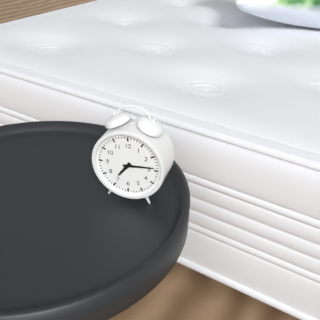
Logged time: 7 h 14 min
